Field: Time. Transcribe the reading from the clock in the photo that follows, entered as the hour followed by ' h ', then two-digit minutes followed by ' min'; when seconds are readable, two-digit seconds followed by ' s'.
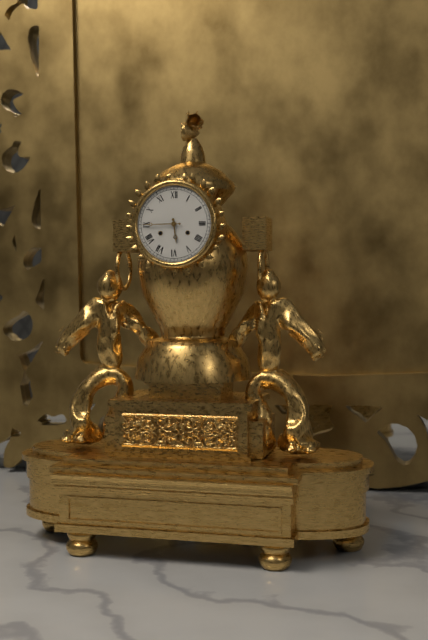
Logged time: 5 h 45 min
